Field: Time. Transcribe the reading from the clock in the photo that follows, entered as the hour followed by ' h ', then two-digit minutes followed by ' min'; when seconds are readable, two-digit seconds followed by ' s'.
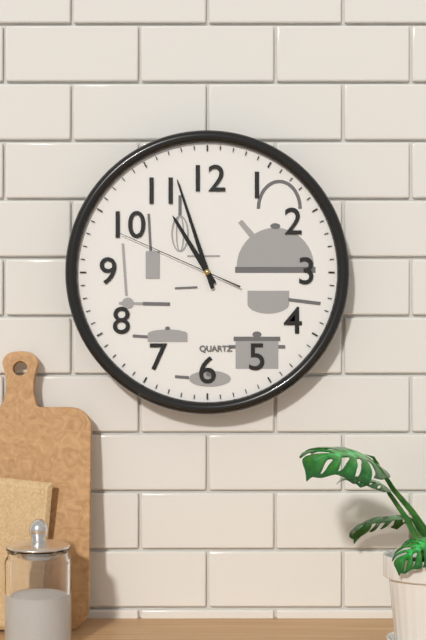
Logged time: 10 h 57 min 49 s
